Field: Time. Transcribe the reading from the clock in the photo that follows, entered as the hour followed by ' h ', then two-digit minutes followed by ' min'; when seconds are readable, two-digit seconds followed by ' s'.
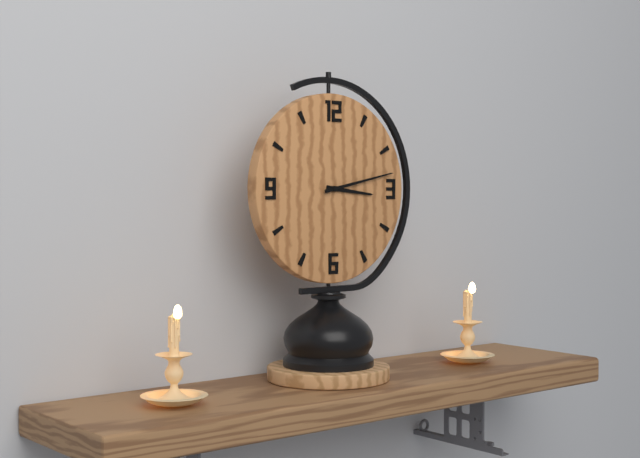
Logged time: 3 h 13 min
